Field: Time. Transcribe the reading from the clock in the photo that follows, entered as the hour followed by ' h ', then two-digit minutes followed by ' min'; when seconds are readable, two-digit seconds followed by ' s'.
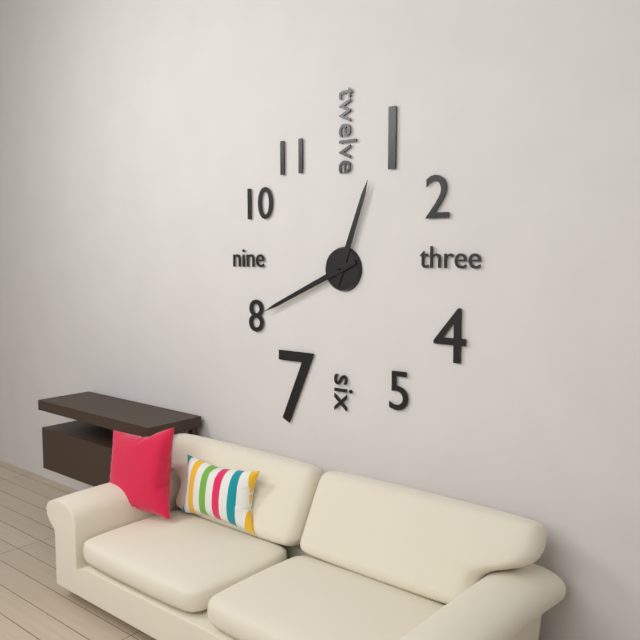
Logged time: 12 h 41 min
